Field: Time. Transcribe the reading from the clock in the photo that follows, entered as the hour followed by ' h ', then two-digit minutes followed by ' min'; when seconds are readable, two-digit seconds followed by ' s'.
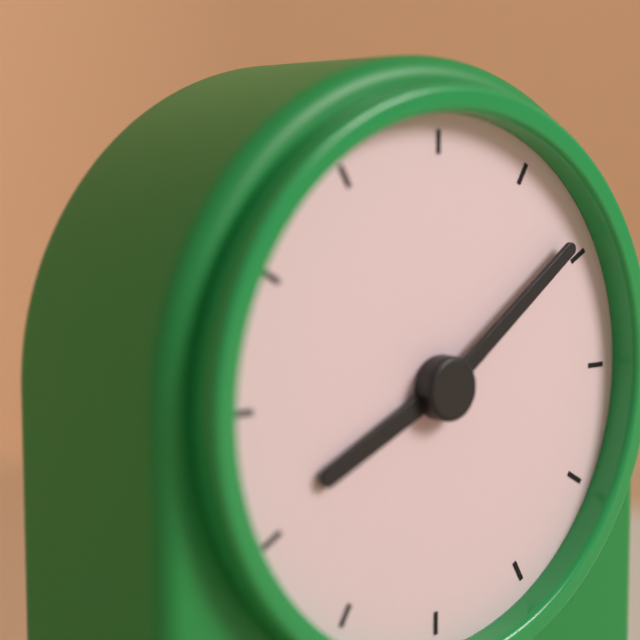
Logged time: 8 h 09 min
